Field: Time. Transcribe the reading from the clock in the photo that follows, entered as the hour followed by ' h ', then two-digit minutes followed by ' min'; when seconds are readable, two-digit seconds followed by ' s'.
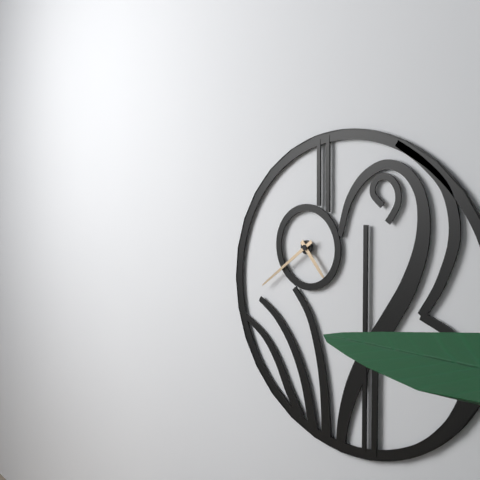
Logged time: 4 h 39 min
